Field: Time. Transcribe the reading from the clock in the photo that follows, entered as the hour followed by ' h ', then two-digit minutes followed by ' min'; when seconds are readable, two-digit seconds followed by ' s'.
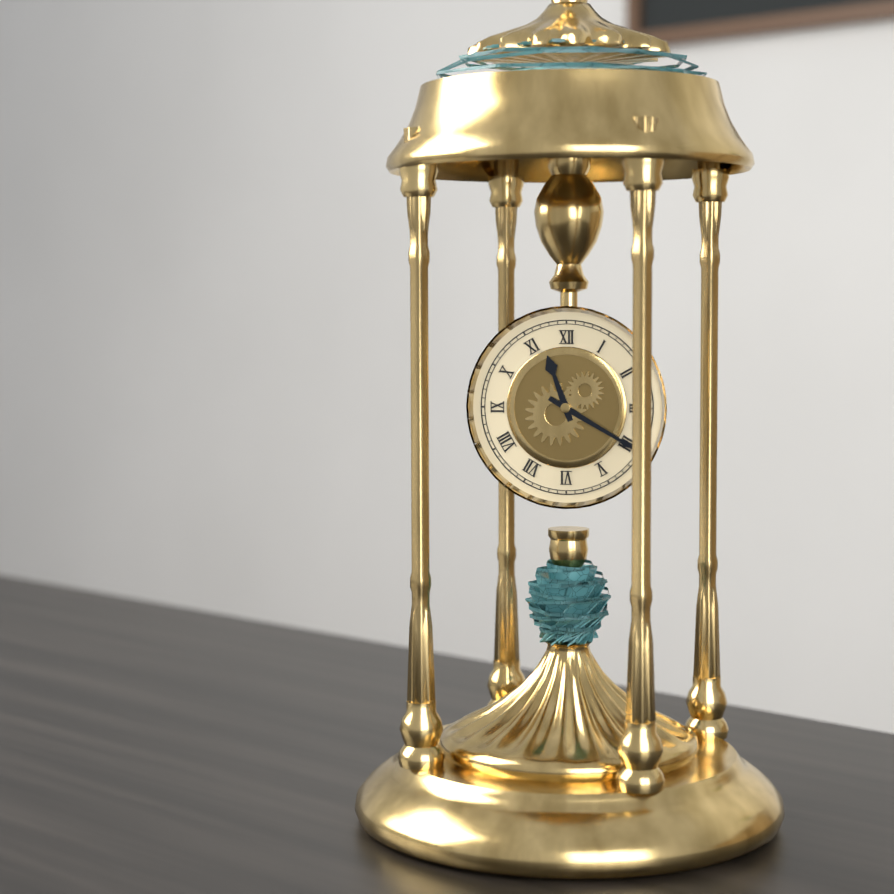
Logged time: 11 h 20 min
